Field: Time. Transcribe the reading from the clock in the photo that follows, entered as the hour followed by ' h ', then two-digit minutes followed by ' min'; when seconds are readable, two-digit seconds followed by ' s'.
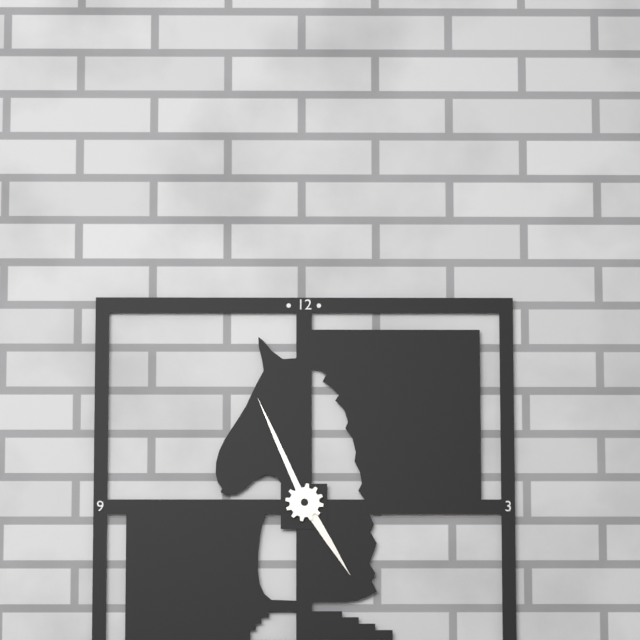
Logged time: 4 h 56 min
